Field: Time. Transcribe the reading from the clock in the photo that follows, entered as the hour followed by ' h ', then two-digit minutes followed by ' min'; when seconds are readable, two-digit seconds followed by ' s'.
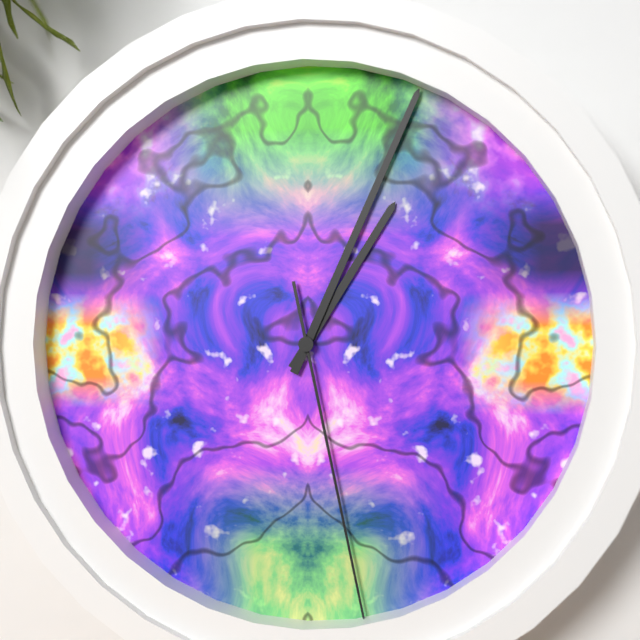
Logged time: 1 h 04 min 28 s
